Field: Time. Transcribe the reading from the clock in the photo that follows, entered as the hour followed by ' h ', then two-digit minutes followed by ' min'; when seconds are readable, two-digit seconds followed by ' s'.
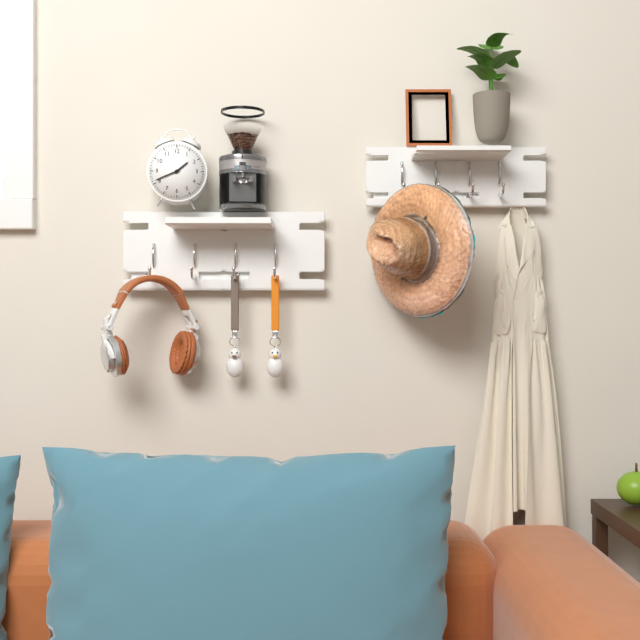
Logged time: 1 h 41 min
